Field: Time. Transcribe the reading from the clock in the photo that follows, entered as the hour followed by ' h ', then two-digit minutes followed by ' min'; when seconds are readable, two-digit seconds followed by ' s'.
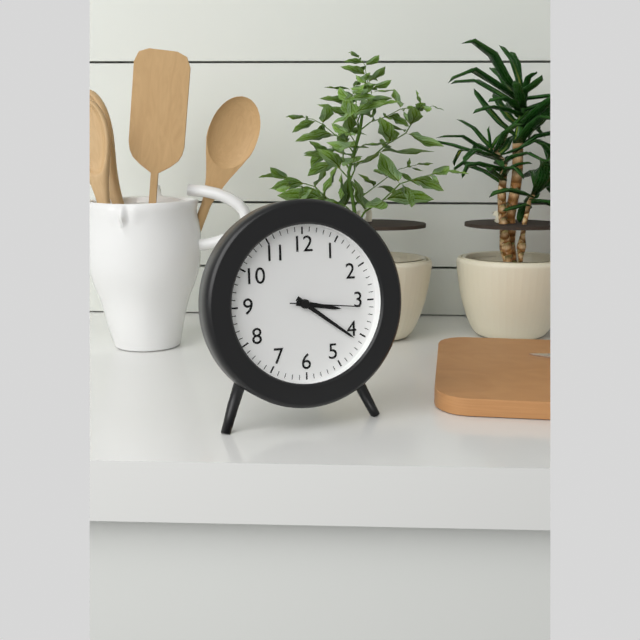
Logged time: 3 h 21 min 16 s
